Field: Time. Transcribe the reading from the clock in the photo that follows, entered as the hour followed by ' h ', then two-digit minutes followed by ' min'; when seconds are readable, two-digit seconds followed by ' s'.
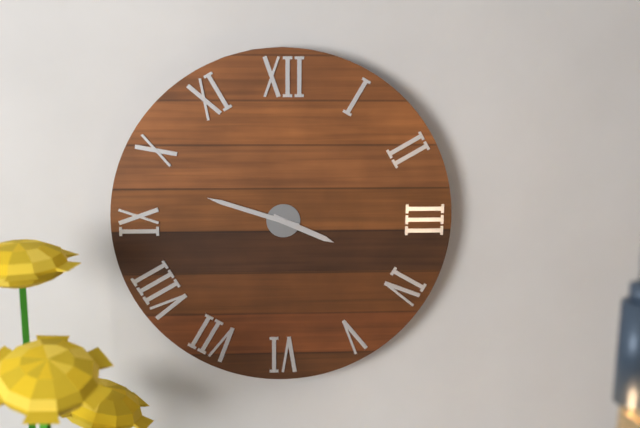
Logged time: 3 h 48 min
